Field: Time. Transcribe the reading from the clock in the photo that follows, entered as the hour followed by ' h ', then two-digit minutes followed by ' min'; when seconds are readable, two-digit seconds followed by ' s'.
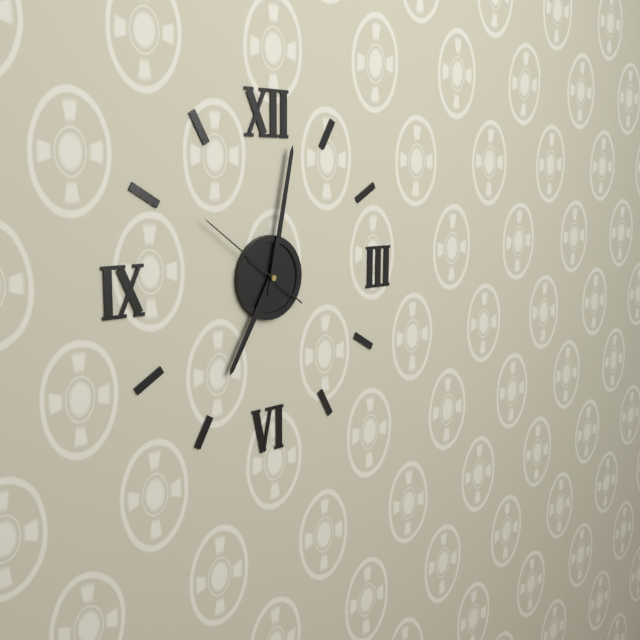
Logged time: 7 h 02 min 51 s
